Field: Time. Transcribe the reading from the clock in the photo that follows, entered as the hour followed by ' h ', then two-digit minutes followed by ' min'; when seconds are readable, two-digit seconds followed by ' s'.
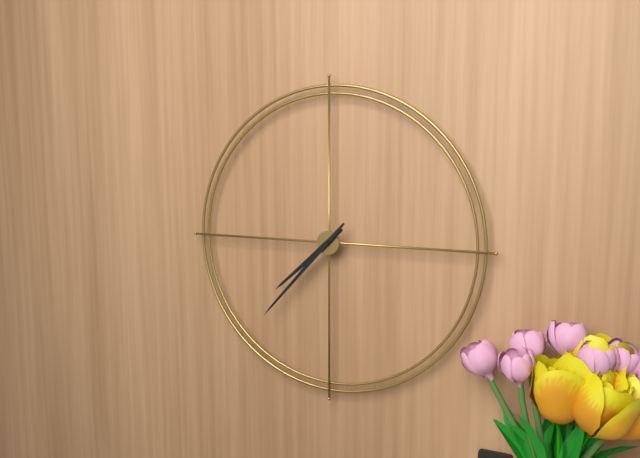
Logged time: 7 h 37 min
